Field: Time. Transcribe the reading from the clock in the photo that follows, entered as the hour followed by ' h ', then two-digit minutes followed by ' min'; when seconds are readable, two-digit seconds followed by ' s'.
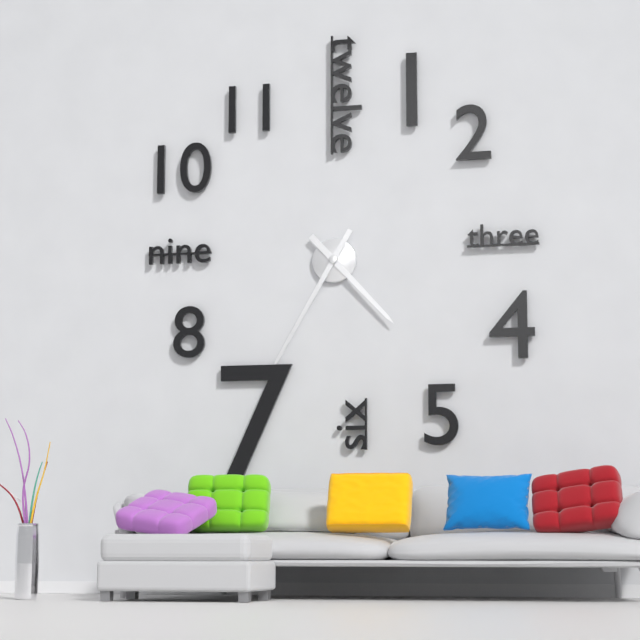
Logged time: 4 h 35 min
